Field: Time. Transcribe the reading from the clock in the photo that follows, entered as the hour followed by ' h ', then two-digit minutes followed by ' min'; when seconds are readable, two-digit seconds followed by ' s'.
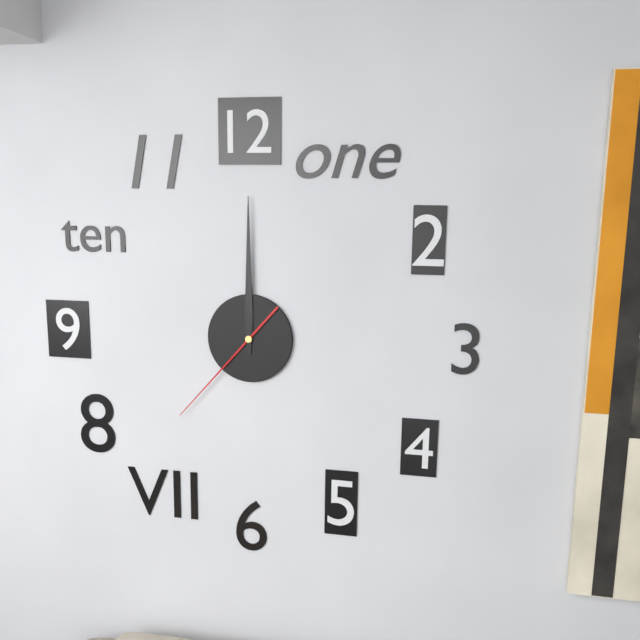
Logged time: 12 h 00 min 37 s
